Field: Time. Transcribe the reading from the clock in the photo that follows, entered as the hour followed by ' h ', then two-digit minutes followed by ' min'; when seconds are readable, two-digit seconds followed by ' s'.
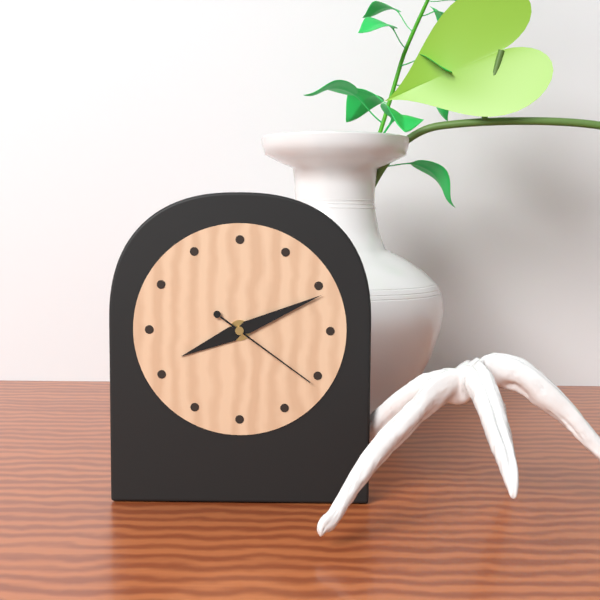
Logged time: 8 h 11 min 21 s
